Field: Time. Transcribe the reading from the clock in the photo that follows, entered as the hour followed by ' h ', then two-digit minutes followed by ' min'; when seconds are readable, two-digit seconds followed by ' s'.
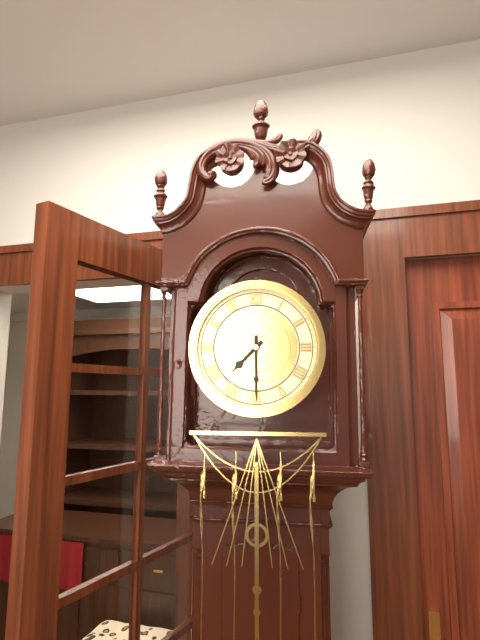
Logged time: 7 h 30 min
